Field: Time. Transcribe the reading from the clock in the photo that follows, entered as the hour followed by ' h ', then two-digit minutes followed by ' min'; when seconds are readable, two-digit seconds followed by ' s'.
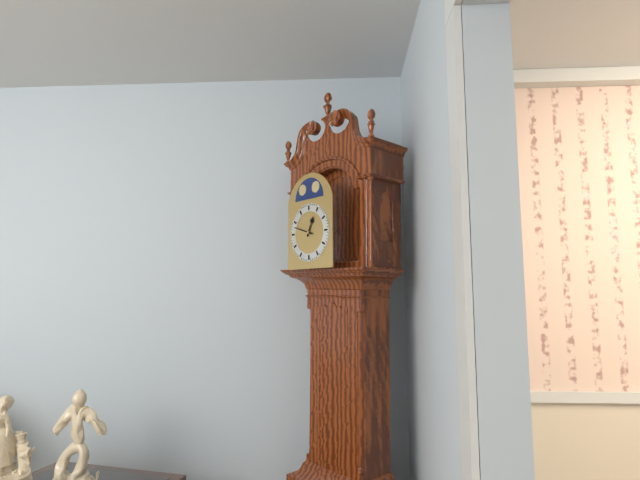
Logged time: 12 h 48 min
